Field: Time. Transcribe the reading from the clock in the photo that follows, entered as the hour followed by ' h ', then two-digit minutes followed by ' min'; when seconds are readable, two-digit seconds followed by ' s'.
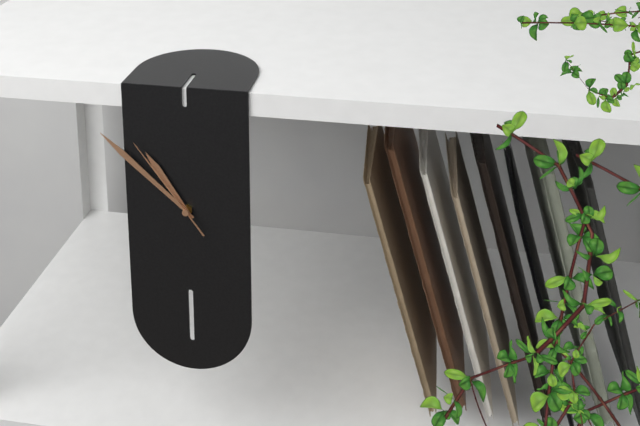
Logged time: 10 h 52 min 54 s
